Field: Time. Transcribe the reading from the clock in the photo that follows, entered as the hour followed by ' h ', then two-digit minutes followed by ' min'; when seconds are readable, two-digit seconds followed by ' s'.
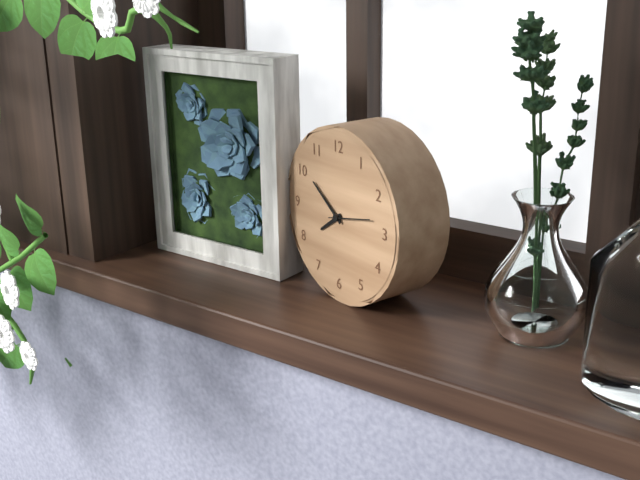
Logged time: 7 h 51 min
